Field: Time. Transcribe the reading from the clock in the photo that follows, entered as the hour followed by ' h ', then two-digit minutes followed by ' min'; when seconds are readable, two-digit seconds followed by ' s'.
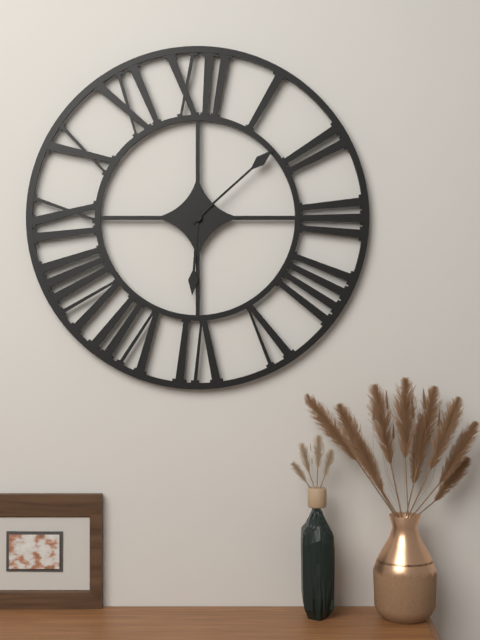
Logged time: 6 h 08 min
